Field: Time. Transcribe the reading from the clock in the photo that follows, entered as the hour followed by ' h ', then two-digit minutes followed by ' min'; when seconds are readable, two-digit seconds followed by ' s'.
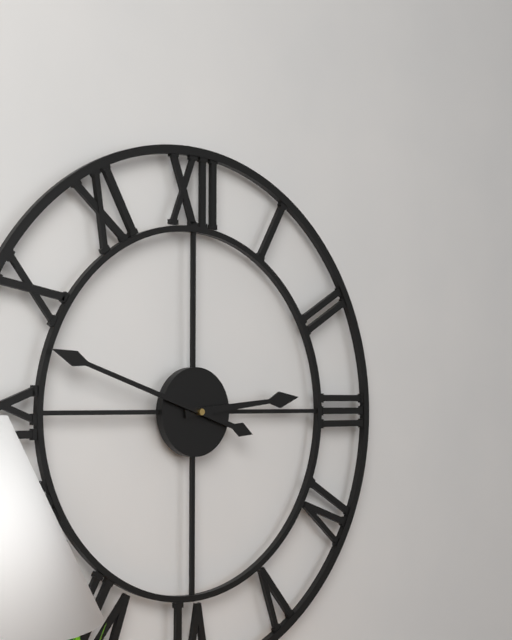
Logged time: 2 h 48 min
